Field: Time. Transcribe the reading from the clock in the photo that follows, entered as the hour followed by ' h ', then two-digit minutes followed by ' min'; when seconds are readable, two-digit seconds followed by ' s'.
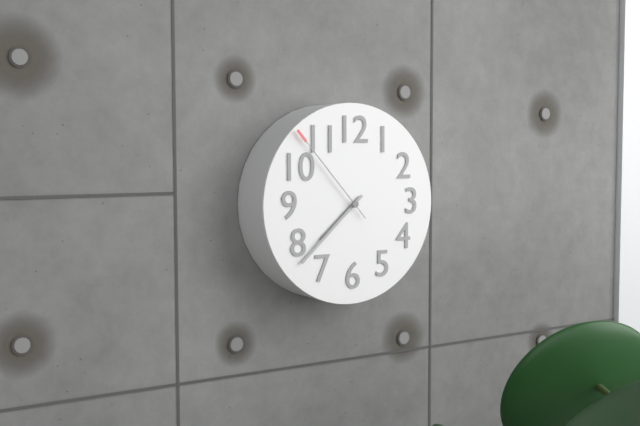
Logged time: 7 h 38 min 53 s
